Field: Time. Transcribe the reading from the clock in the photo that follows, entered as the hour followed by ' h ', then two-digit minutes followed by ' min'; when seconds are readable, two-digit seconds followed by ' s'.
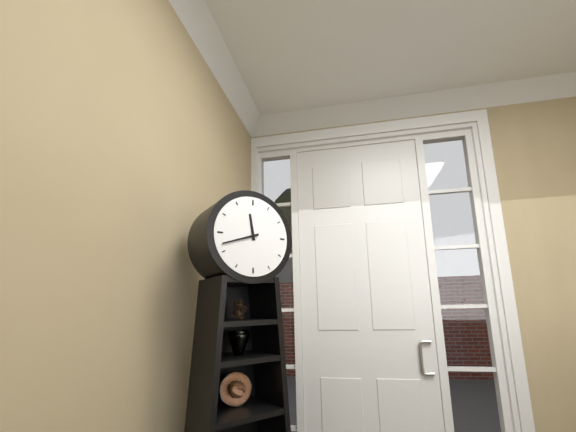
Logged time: 11 h 42 min
